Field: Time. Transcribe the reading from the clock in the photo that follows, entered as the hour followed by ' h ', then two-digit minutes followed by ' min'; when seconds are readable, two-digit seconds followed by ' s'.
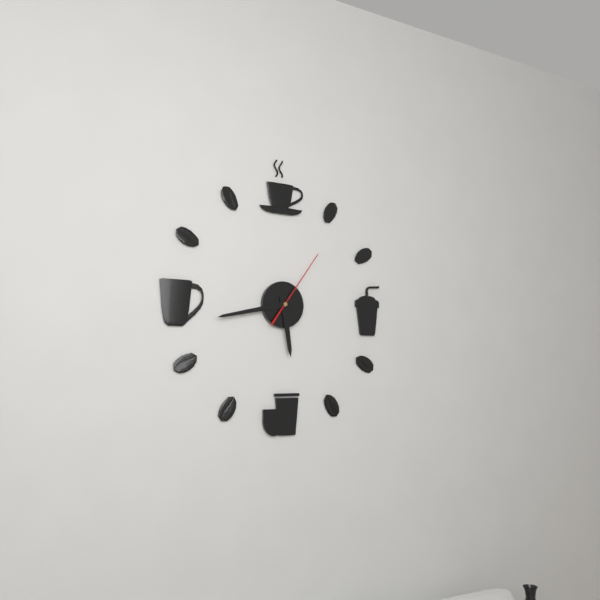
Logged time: 5 h 43 min 06 s
